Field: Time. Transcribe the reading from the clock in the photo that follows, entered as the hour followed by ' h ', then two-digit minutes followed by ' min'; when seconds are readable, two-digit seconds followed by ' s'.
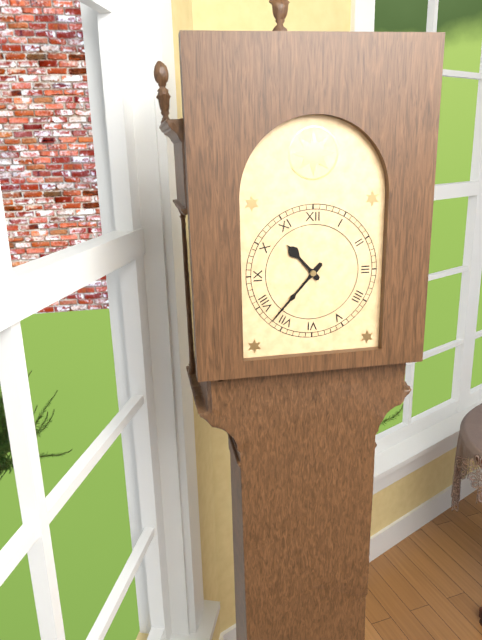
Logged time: 10 h 37 min
